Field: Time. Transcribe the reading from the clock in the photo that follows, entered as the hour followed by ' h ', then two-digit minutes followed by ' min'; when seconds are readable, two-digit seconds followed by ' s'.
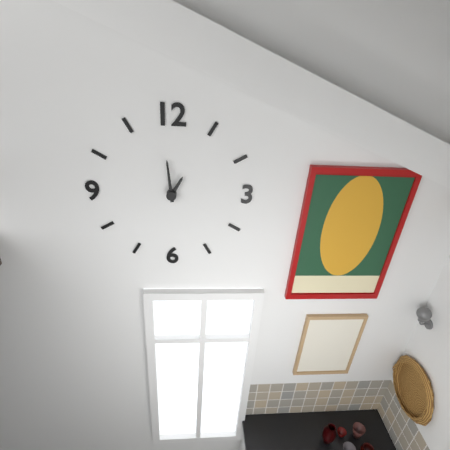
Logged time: 12 h 59 min
